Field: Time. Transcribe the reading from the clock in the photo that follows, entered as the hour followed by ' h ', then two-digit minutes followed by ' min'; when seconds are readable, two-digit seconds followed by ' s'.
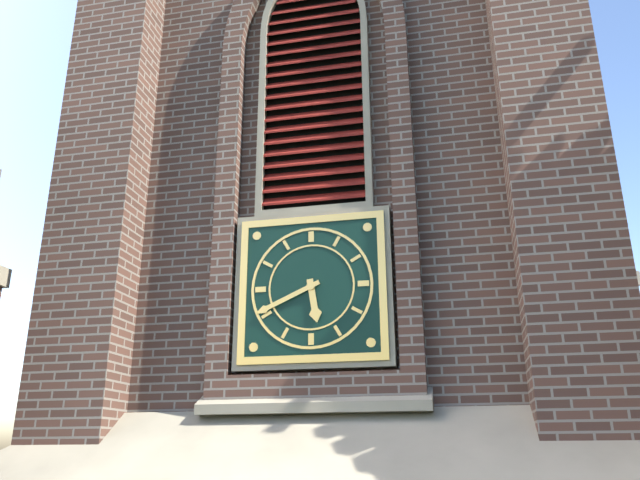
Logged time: 5 h 41 min
